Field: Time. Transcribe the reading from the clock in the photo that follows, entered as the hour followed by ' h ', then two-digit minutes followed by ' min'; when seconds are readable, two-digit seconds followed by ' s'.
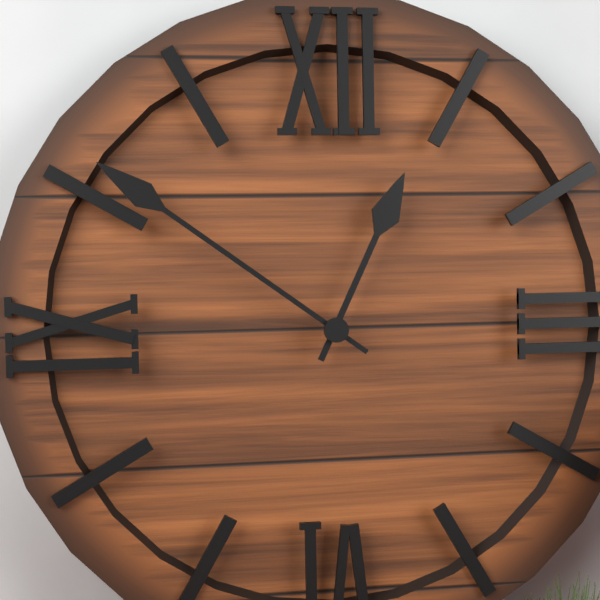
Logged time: 12 h 51 min
